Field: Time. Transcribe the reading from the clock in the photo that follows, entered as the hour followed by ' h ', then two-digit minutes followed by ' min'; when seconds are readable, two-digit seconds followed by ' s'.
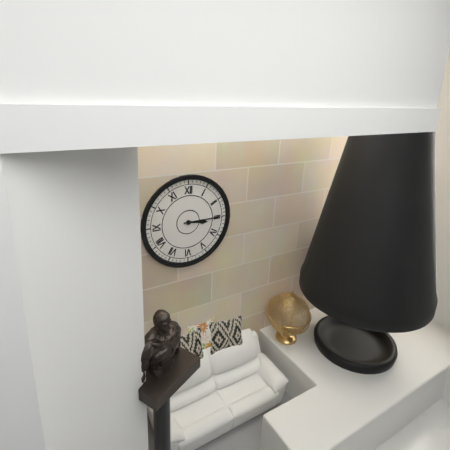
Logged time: 3 h 15 min
